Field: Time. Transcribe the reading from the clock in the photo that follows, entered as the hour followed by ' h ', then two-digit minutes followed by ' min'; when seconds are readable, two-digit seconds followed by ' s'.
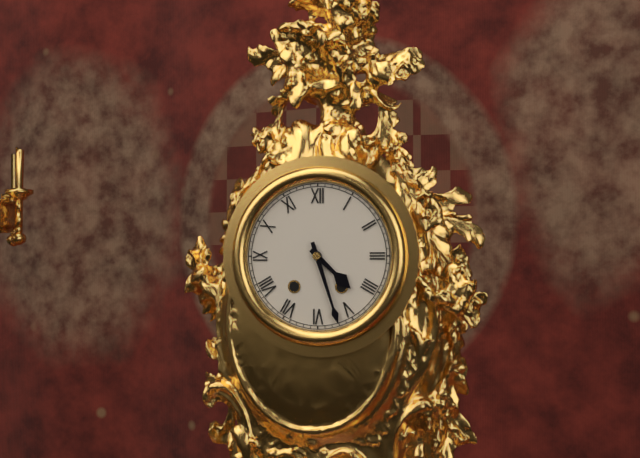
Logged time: 4 h 27 min
